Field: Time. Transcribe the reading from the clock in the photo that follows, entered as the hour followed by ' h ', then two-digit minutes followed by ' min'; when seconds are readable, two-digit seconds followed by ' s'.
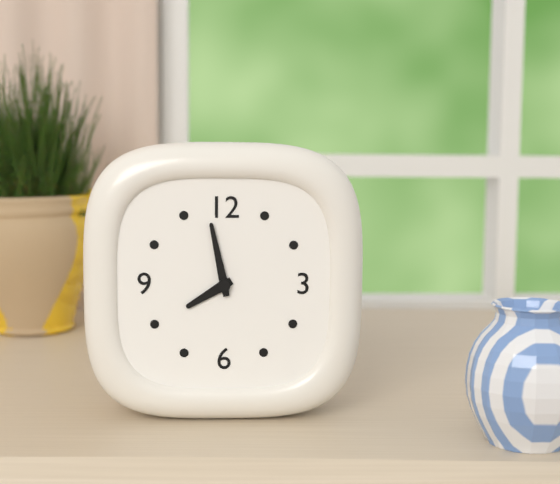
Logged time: 7 h 58 min
